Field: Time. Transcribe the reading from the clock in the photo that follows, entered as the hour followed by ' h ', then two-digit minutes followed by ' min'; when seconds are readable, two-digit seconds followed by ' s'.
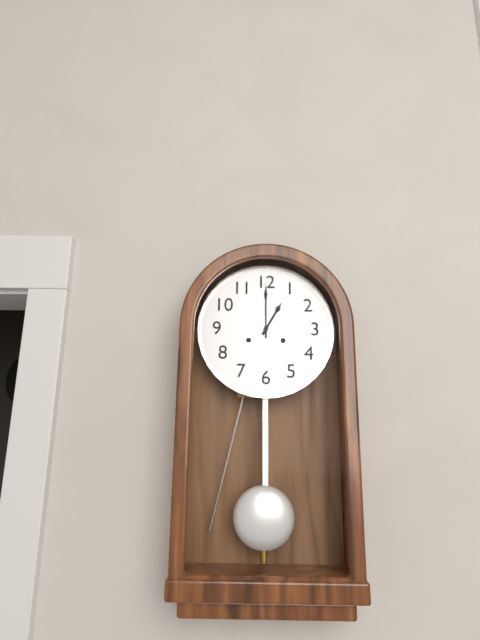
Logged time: 1 h 00 min
